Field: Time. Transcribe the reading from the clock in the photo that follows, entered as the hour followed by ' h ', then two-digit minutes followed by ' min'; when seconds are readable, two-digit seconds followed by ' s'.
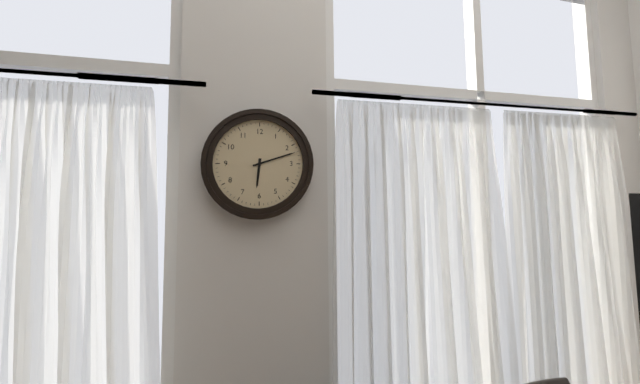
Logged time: 6 h 12 min
